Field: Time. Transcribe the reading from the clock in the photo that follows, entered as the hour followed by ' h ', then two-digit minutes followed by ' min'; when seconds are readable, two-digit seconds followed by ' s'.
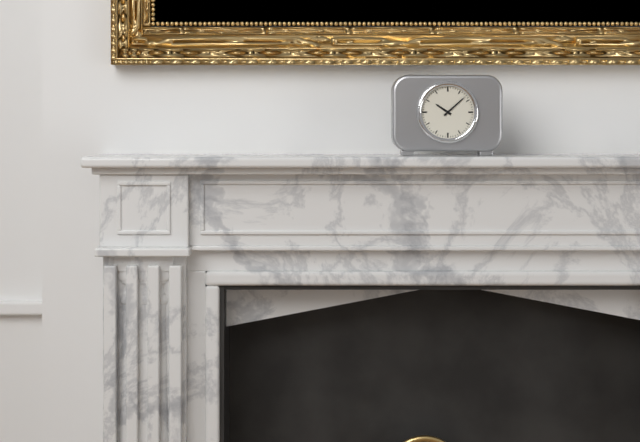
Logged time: 10 h 08 min
